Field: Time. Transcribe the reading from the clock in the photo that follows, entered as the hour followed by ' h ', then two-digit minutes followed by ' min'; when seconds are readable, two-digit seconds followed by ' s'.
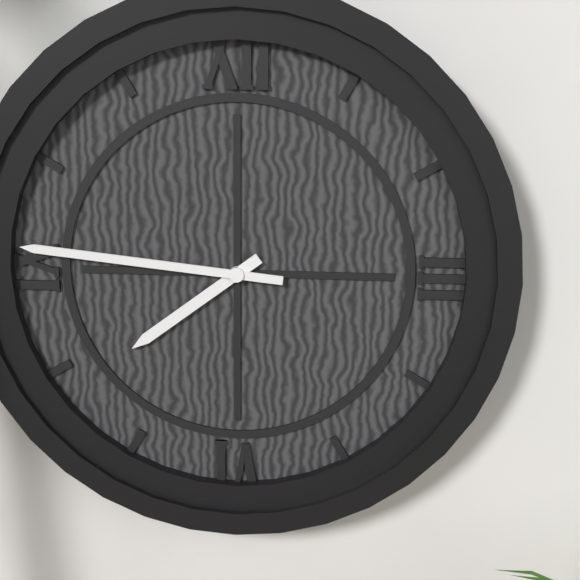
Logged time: 7 h 46 min
